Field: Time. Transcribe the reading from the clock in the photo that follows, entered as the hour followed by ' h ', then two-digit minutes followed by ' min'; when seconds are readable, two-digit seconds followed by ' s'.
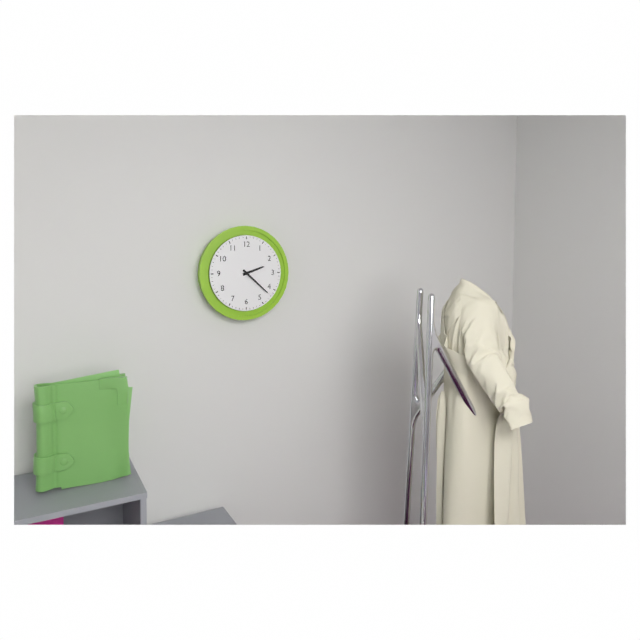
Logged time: 2 h 22 min
